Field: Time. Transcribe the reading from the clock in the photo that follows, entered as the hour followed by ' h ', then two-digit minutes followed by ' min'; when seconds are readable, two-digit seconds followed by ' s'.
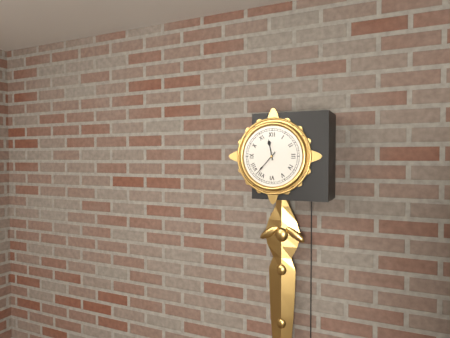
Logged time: 11 h 37 min
